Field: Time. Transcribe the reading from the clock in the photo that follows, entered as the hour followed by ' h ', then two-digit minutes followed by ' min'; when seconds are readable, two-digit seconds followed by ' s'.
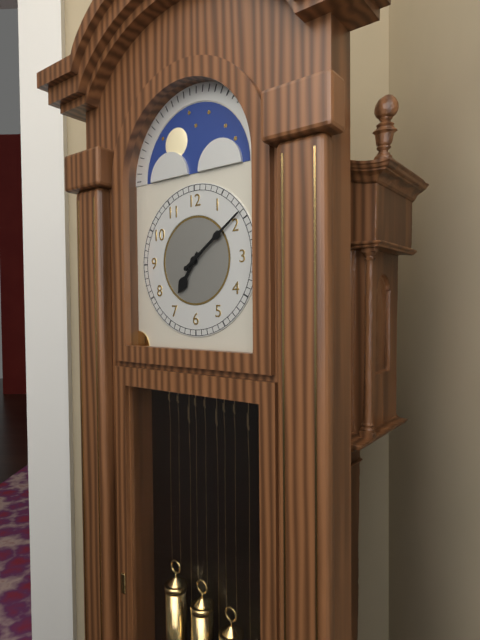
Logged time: 7 h 09 min
